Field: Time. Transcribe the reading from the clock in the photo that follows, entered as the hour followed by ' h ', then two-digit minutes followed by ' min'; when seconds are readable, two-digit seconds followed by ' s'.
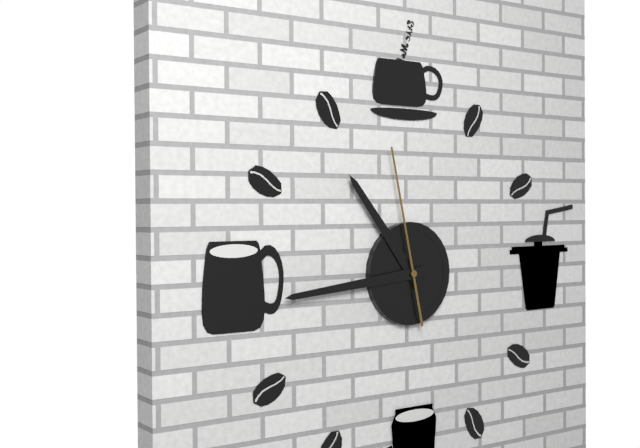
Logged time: 10 h 44 min 58 s
